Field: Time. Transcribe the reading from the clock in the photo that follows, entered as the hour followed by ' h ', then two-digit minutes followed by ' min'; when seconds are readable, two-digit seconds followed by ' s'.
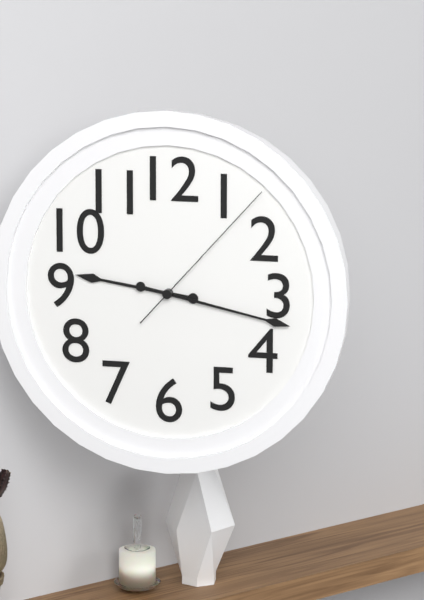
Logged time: 9 h 17 min 07 s
